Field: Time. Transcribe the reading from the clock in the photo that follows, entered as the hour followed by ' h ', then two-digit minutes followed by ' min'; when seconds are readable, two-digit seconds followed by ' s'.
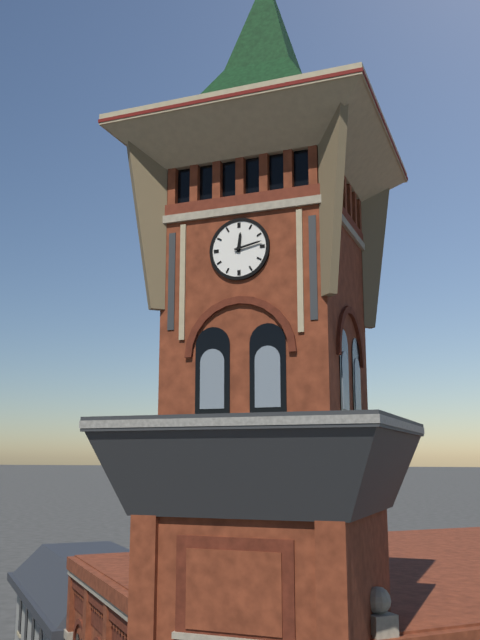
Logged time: 12 h 13 min
